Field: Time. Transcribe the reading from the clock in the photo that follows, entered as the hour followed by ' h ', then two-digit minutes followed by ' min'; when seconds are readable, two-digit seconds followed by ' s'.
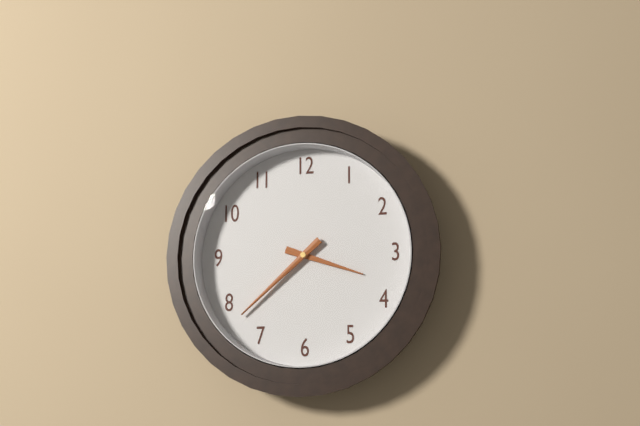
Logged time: 3 h 38 min
